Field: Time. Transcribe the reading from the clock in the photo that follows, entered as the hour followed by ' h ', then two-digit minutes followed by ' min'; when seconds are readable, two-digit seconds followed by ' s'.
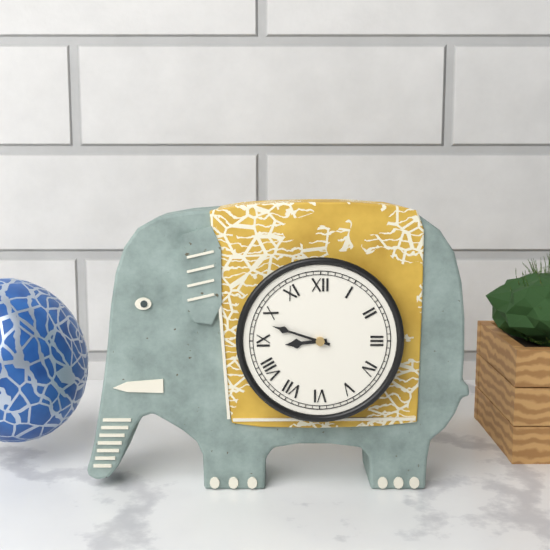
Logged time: 8 h 48 min
